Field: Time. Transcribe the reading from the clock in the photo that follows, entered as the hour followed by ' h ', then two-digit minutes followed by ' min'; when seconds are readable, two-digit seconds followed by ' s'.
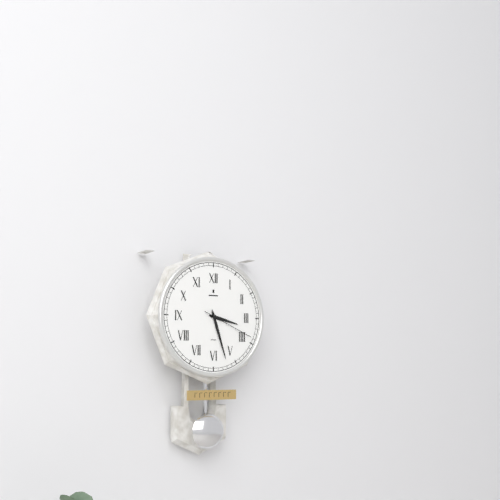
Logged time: 3 h 27 min 19 s
